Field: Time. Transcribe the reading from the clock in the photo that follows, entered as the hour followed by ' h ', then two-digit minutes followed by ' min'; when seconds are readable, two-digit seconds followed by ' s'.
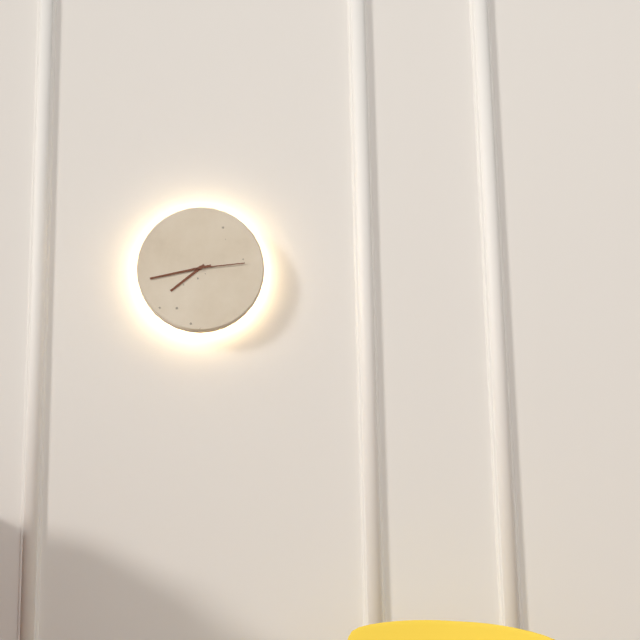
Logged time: 7 h 43 min 14 s
